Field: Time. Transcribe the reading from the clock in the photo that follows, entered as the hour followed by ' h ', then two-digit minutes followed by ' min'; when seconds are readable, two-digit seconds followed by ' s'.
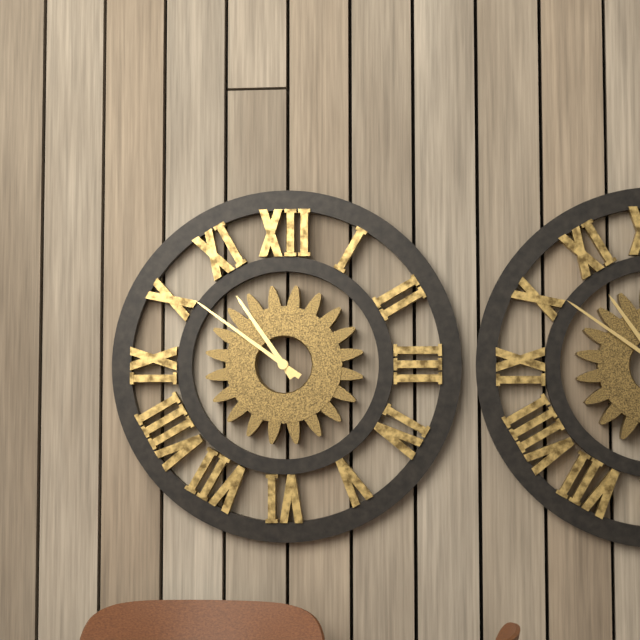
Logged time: 10 h 51 min
